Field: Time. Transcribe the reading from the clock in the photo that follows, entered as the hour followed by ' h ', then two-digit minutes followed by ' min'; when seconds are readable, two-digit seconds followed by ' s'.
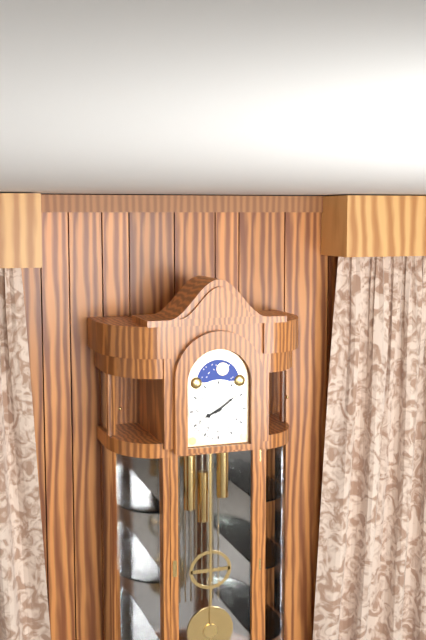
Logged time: 8 h 09 min
